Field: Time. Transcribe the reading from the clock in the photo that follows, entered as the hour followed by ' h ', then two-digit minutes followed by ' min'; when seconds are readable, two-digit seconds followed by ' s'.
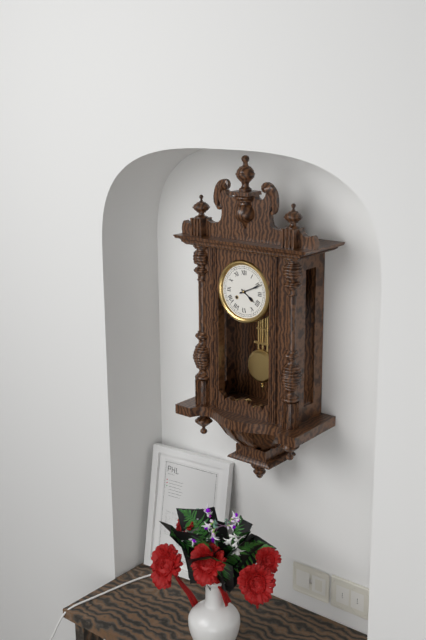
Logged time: 4 h 11 min
